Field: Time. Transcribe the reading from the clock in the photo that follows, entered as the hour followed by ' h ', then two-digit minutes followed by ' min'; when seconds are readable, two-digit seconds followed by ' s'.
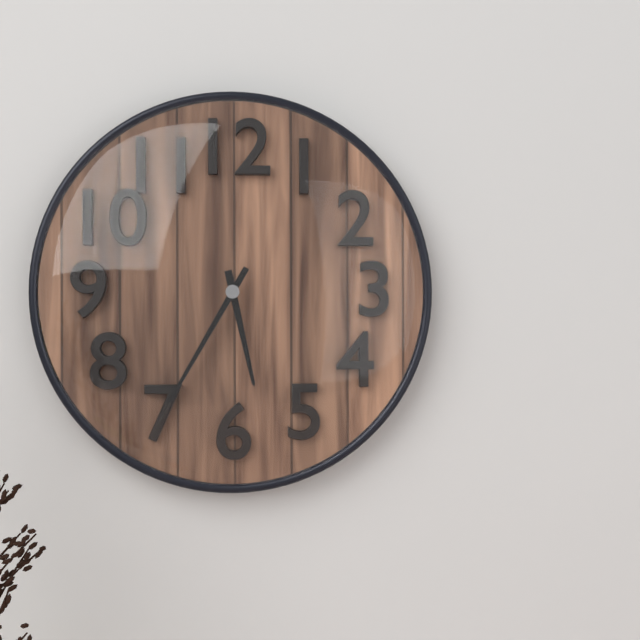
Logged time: 5 h 35 min
